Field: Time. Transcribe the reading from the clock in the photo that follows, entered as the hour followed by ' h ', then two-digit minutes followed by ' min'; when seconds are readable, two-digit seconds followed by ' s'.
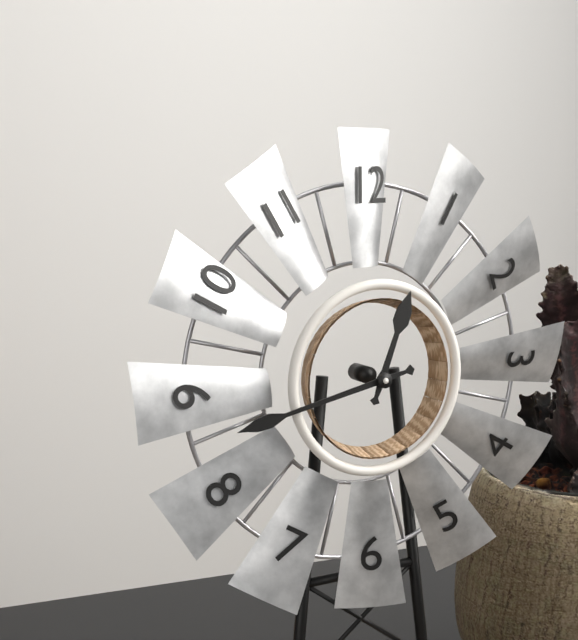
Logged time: 12 h 43 min
